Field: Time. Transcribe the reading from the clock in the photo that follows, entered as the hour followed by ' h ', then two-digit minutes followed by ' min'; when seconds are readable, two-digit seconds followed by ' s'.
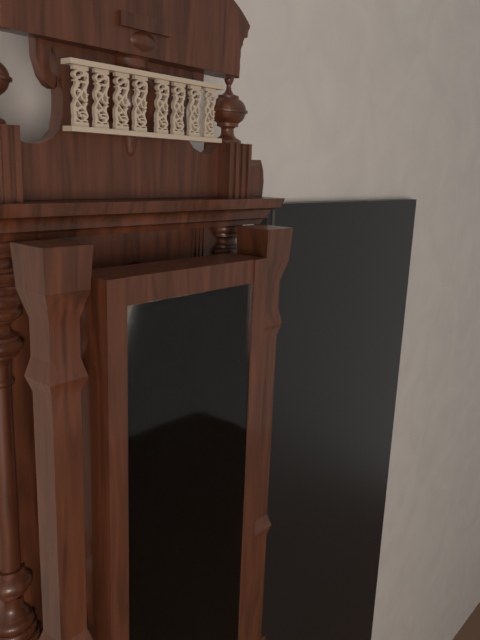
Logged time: 11 h 07 min
